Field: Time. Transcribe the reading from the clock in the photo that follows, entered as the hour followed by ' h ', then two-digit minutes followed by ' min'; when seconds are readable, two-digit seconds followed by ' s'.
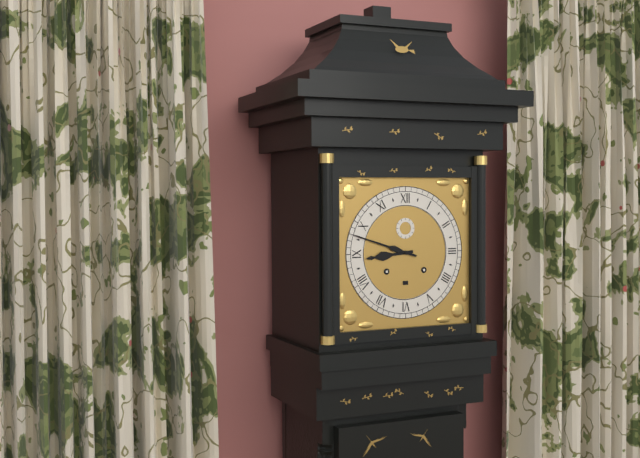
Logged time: 8 h 48 min
